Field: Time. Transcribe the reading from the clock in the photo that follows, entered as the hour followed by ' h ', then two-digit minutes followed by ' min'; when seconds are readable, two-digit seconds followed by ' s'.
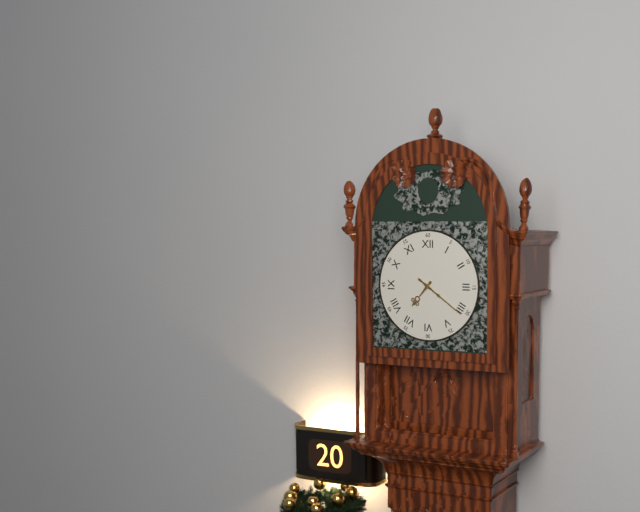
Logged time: 7 h 21 min
